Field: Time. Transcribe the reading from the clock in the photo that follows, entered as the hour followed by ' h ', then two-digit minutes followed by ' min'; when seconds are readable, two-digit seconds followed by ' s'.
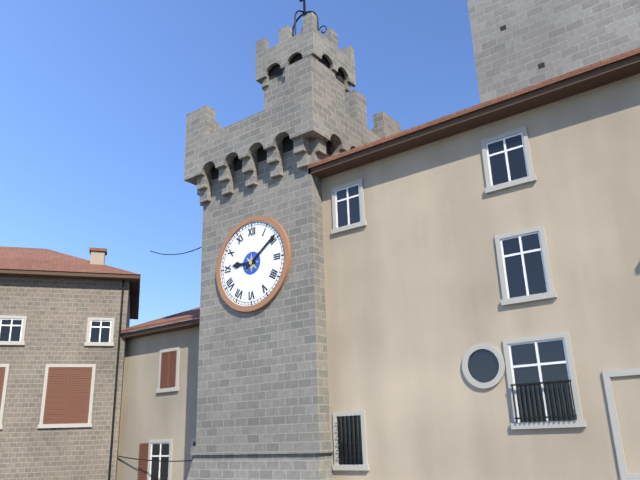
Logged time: 9 h 09 min
